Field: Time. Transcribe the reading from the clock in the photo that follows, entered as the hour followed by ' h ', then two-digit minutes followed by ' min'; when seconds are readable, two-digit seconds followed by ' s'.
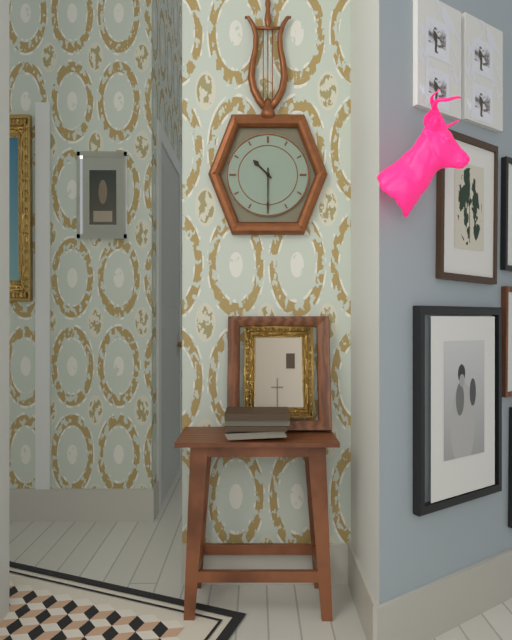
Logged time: 10 h 30 min
